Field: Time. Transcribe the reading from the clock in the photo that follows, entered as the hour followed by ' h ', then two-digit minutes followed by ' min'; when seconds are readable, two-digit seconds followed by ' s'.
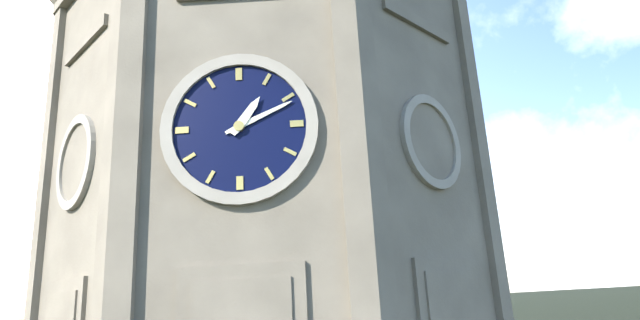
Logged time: 1 h 11 min
